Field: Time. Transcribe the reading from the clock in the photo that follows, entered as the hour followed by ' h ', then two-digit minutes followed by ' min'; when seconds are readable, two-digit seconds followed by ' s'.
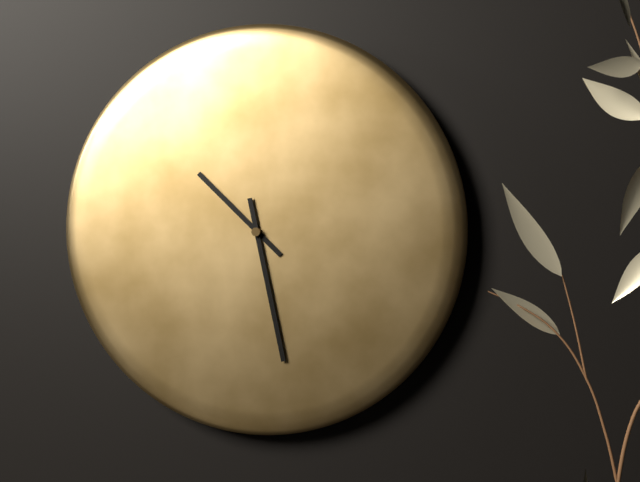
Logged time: 10 h 28 min
